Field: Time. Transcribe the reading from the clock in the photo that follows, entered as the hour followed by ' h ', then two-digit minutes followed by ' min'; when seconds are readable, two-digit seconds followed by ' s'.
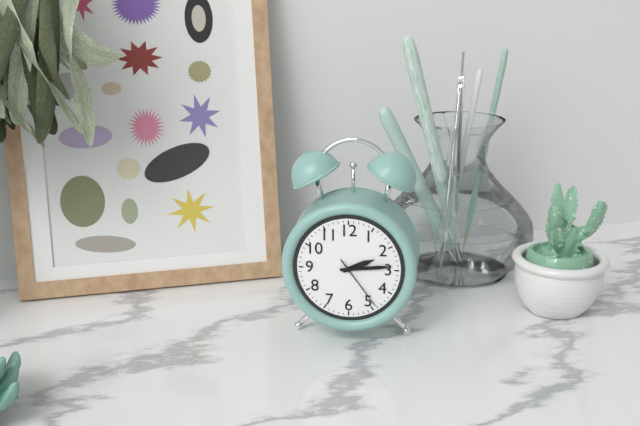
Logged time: 2 h 14 min 24 s
